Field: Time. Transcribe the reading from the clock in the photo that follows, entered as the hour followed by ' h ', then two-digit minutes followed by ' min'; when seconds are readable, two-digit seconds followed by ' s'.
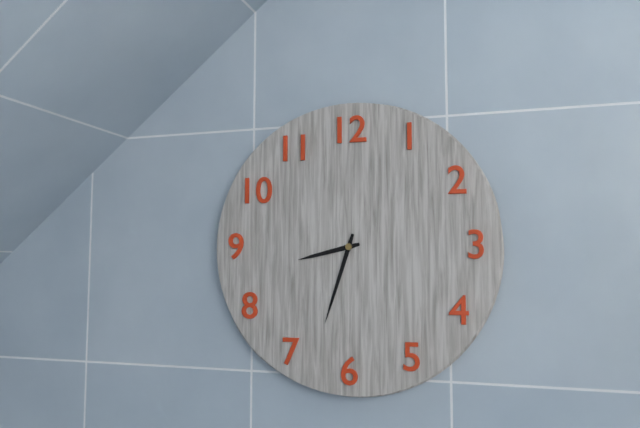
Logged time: 8 h 33 min
